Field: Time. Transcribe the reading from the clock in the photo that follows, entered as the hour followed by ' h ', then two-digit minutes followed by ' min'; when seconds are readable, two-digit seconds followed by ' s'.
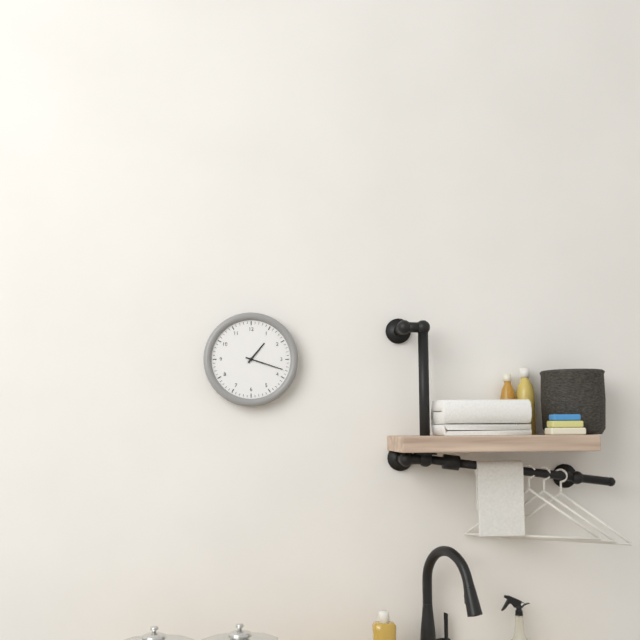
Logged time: 1 h 18 min
